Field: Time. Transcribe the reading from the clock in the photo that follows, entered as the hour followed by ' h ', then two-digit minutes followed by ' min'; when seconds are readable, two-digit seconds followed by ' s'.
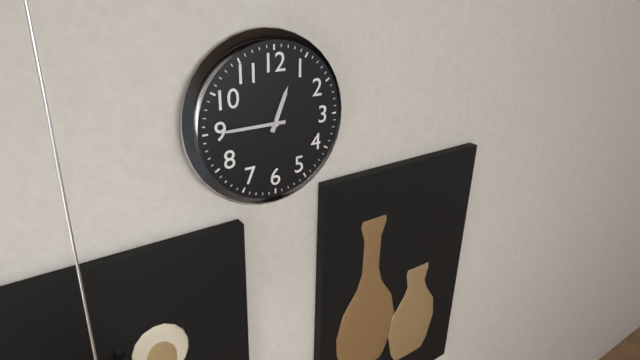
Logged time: 12 h 45 min
